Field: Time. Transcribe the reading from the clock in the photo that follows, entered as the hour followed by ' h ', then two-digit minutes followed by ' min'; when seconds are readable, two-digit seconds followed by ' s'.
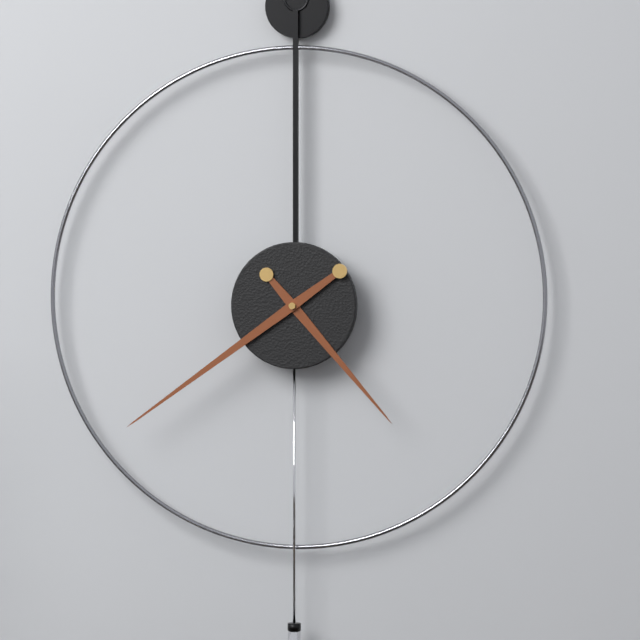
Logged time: 4 h 39 min
